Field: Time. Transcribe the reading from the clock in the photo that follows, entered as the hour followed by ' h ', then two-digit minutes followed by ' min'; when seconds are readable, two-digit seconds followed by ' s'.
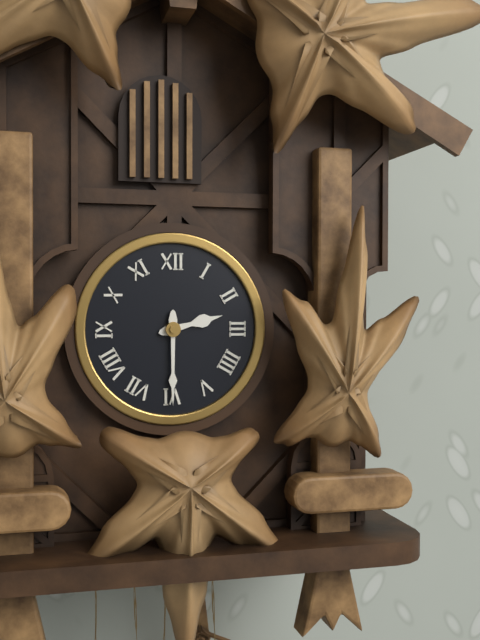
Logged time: 2 h 30 min
